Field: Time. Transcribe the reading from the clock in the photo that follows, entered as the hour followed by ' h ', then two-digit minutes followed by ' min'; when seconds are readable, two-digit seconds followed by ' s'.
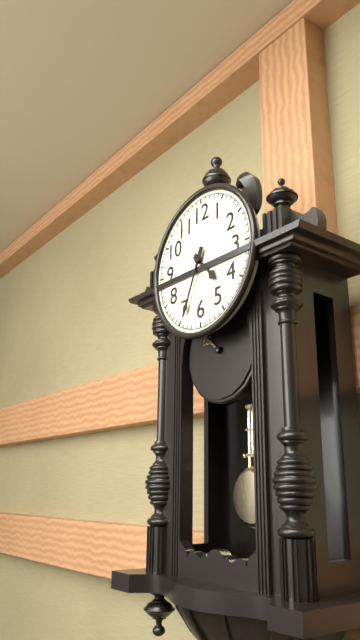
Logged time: 4 h 34 min
